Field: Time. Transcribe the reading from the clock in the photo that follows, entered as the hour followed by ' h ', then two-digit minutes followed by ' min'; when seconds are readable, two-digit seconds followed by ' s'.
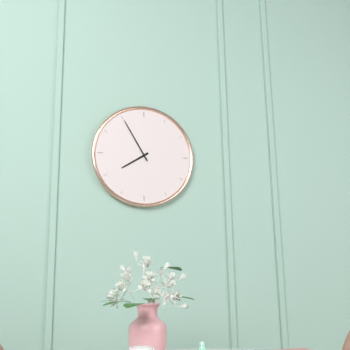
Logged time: 7 h 55 min
